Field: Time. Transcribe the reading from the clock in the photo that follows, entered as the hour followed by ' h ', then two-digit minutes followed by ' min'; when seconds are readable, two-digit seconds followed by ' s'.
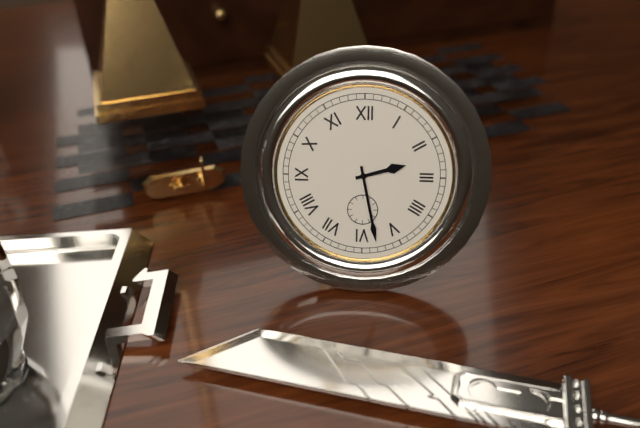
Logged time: 2 h 28 min
